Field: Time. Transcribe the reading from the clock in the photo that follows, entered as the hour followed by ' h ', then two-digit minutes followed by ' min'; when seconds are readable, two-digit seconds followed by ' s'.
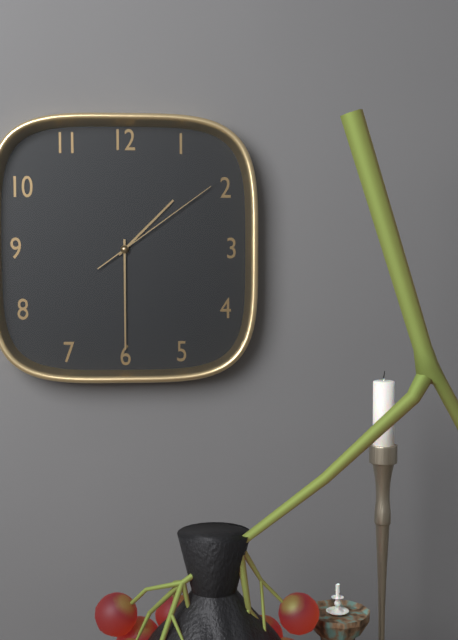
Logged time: 1 h 30 min 09 s
